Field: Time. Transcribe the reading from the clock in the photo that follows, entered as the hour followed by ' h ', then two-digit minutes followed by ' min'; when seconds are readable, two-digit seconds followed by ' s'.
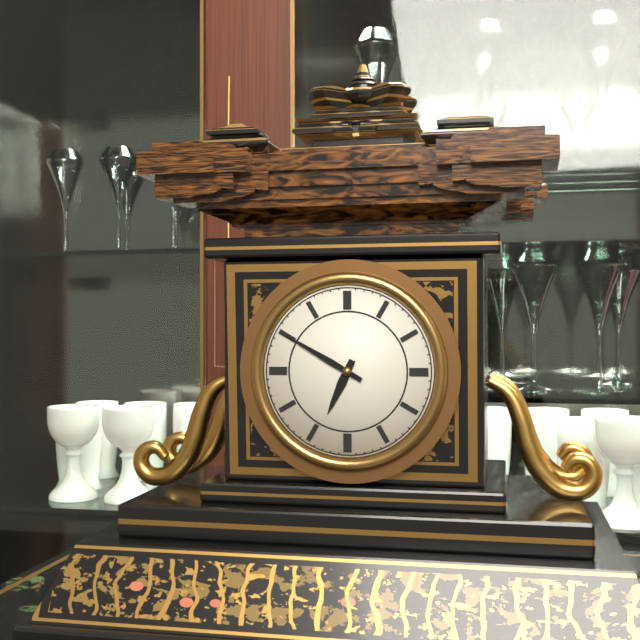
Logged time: 6 h 50 min
